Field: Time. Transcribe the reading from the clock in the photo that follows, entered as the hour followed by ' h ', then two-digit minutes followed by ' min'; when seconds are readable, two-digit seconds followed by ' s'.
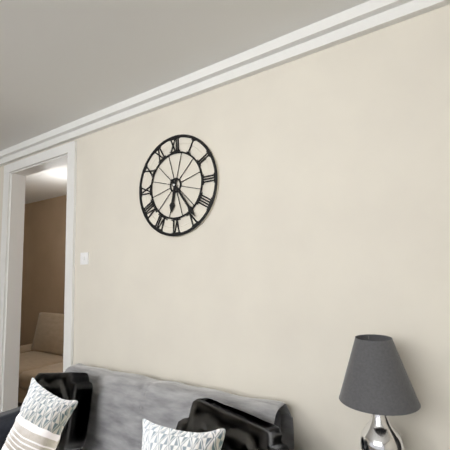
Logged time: 6 h 24 min
